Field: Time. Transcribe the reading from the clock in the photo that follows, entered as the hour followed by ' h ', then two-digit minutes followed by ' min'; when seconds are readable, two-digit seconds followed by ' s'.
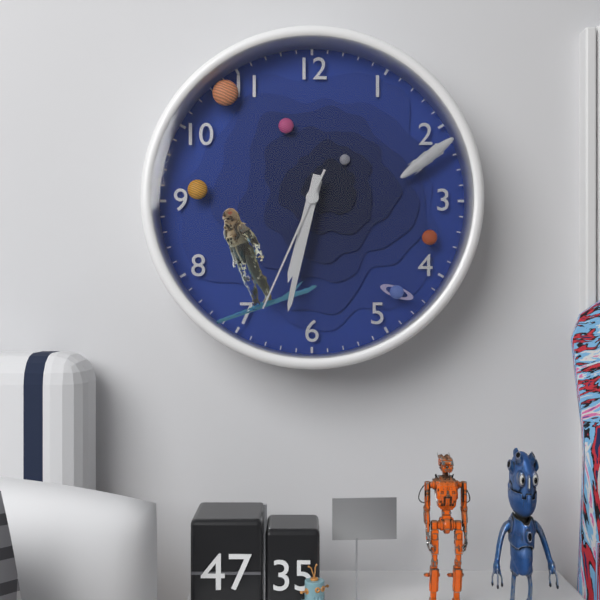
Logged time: 6 h 32 min 34 s
